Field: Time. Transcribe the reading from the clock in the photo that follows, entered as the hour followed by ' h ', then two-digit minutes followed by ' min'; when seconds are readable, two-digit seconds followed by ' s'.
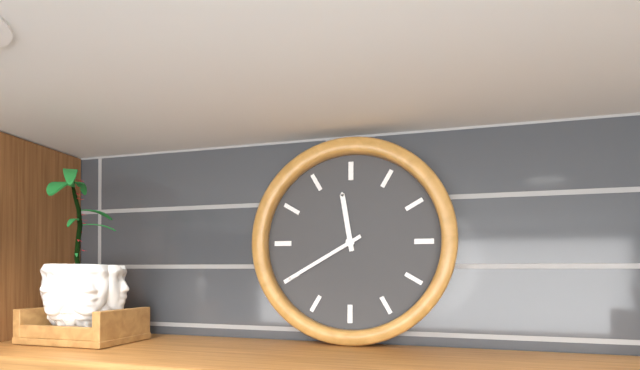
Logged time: 11 h 40 min
